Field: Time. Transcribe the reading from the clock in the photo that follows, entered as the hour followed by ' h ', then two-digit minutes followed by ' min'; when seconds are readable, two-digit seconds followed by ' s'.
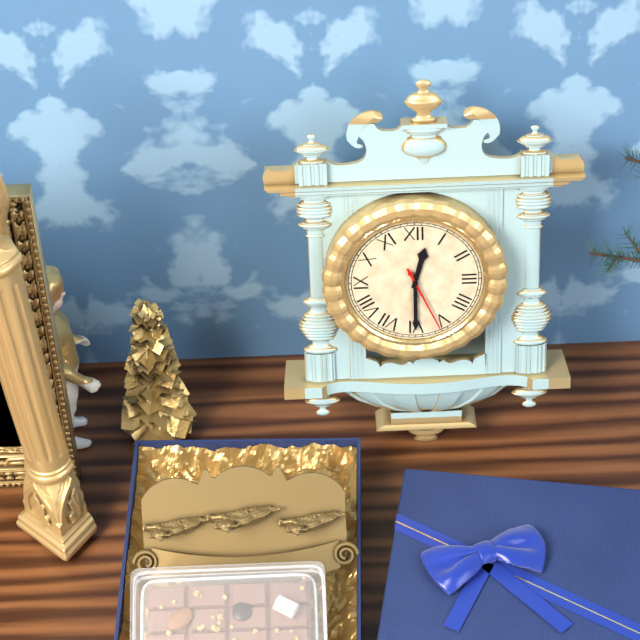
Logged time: 12 h 30 min 26 s
